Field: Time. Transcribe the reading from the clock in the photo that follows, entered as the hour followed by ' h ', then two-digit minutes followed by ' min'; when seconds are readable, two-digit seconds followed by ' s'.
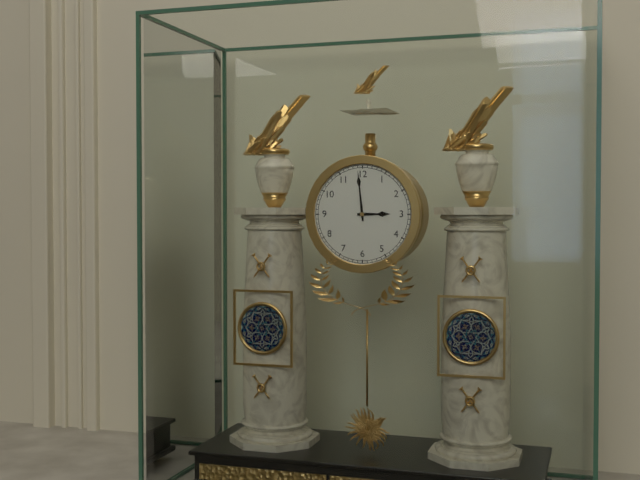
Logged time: 2 h 59 min
